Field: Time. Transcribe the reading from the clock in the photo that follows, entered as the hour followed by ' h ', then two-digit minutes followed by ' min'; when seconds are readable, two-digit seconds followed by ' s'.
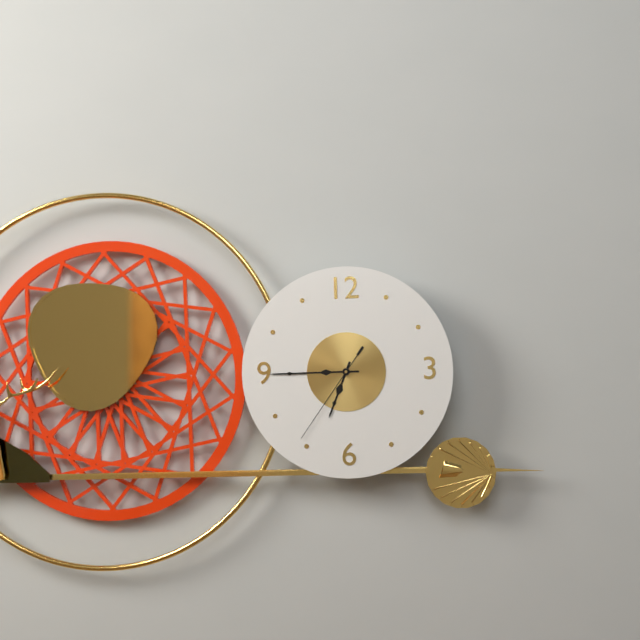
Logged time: 6 h 45 min 36 s
